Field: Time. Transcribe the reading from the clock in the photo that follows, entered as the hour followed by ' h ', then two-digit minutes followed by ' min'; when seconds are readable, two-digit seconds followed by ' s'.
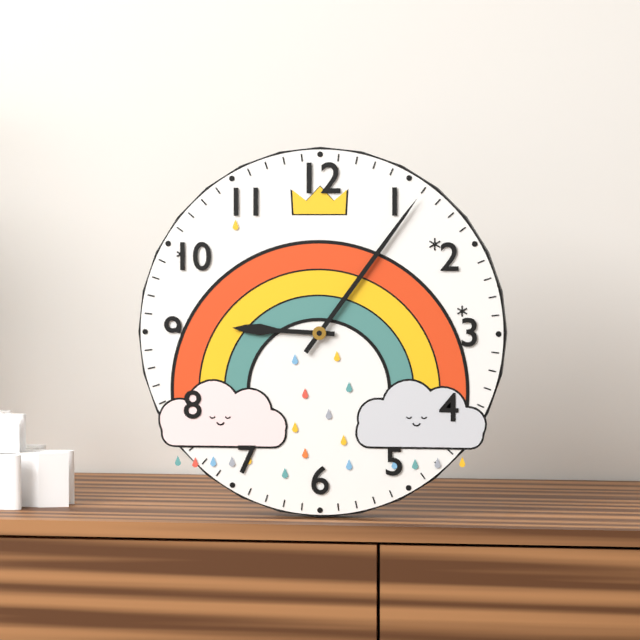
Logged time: 9 h 06 min
